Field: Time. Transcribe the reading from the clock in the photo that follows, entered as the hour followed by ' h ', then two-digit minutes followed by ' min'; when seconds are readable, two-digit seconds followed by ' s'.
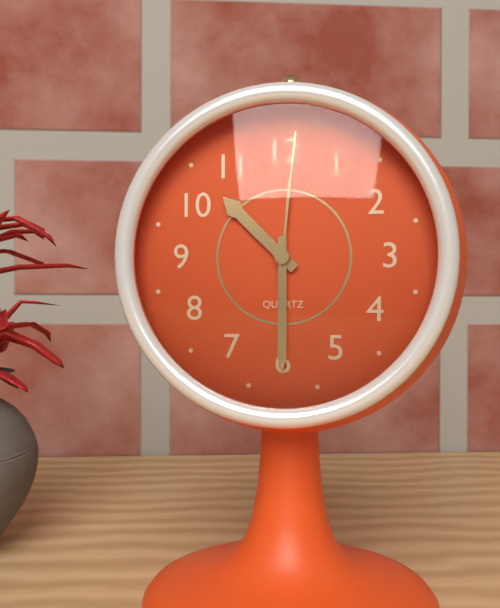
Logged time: 10 h 30 min 01 s
